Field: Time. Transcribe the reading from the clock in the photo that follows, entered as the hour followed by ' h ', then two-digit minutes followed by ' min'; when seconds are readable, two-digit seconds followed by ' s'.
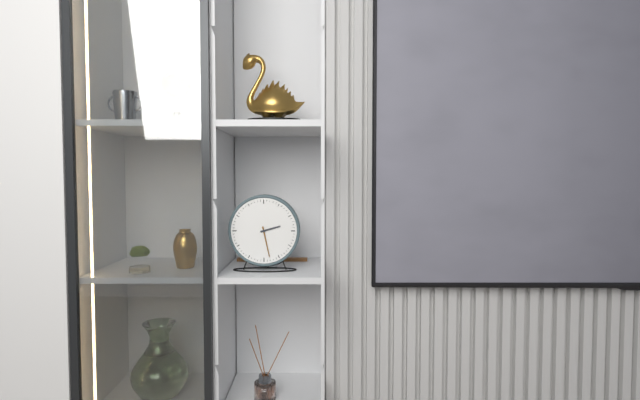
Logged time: 2 h 28 min
